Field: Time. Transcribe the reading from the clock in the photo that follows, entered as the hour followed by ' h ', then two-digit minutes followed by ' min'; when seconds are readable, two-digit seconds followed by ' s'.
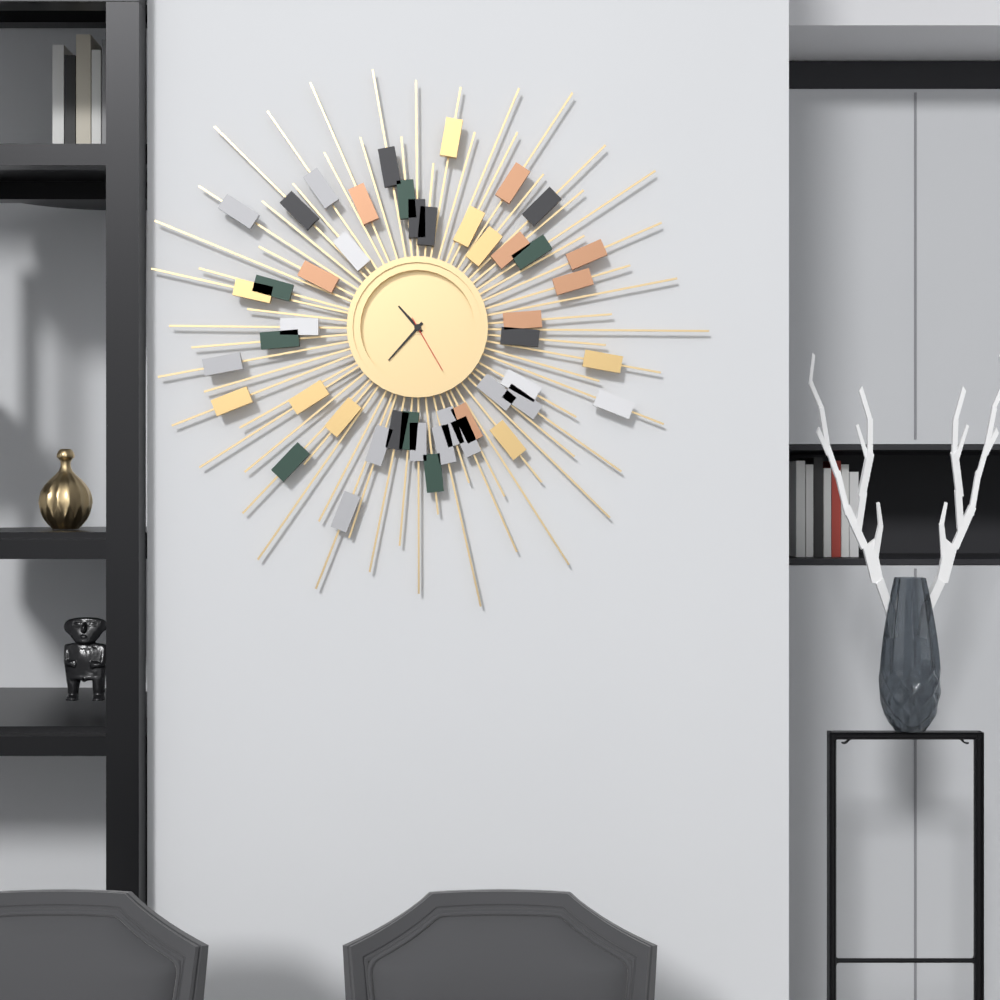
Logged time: 10 h 37 min 25 s
